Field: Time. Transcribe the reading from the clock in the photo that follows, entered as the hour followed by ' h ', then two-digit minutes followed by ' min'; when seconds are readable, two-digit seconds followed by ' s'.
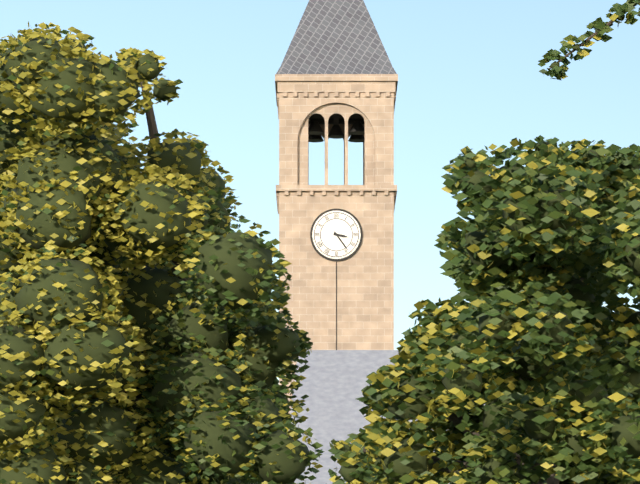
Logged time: 3 h 24 min
